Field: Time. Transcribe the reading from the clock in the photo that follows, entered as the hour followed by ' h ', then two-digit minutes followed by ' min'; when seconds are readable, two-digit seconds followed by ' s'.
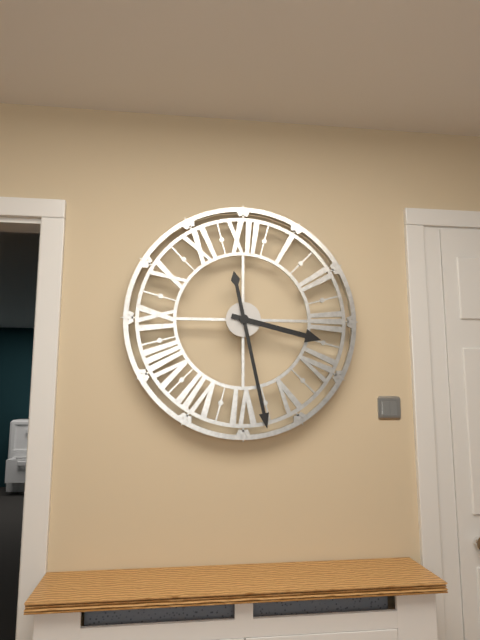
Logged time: 3 h 28 min
